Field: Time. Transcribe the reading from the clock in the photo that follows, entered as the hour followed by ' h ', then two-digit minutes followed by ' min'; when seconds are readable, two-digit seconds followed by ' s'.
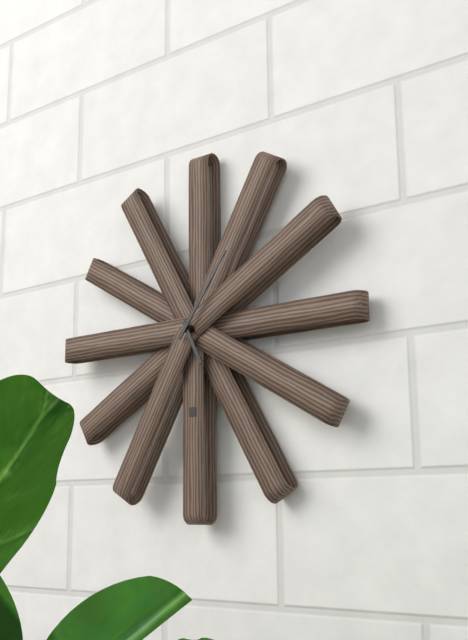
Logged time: 5 h 06 min
